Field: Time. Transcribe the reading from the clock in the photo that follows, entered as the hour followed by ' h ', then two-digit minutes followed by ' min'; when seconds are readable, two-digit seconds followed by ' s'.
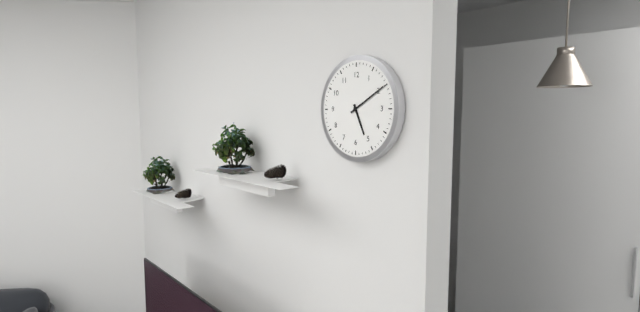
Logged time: 5 h 10 min
